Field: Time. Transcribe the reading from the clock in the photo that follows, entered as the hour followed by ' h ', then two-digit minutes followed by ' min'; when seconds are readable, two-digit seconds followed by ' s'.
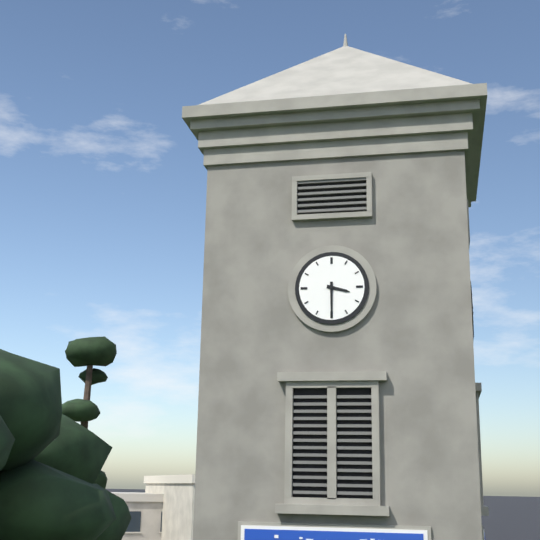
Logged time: 3 h 30 min
